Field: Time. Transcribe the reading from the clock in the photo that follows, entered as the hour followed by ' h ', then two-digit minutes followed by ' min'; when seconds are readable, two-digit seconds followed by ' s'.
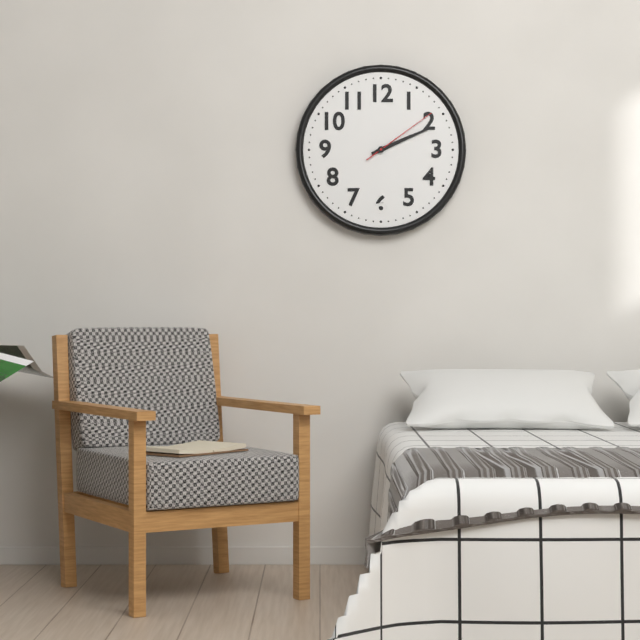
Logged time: 2 h 11 min 09 s
